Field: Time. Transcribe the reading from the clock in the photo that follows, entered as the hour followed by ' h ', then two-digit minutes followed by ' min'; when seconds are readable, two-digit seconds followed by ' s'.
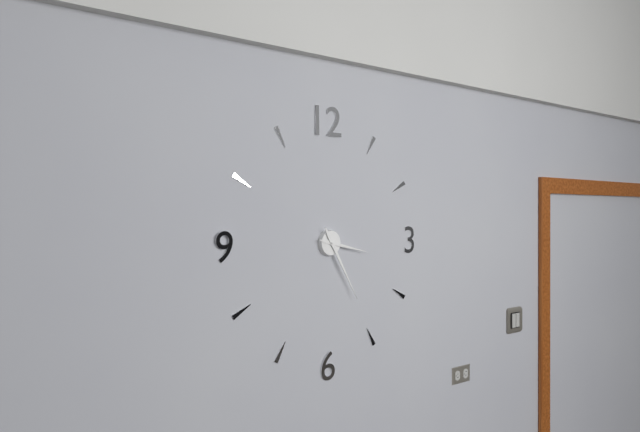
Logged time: 3 h 25 min
